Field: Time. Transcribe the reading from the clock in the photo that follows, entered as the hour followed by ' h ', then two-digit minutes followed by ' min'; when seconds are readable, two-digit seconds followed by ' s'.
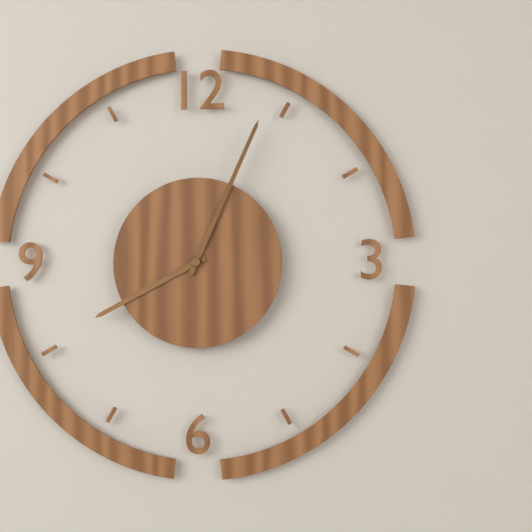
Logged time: 8 h 04 min
